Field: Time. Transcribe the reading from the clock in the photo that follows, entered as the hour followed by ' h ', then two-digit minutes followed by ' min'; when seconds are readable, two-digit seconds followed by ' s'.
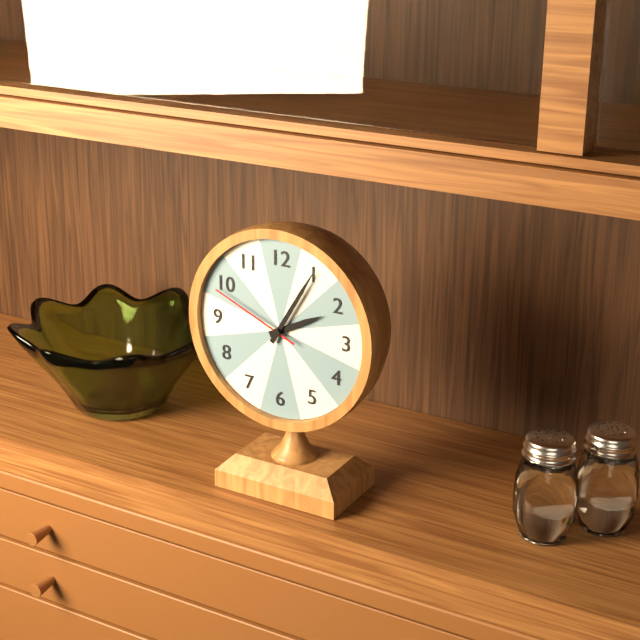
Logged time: 2 h 05 min 49 s
